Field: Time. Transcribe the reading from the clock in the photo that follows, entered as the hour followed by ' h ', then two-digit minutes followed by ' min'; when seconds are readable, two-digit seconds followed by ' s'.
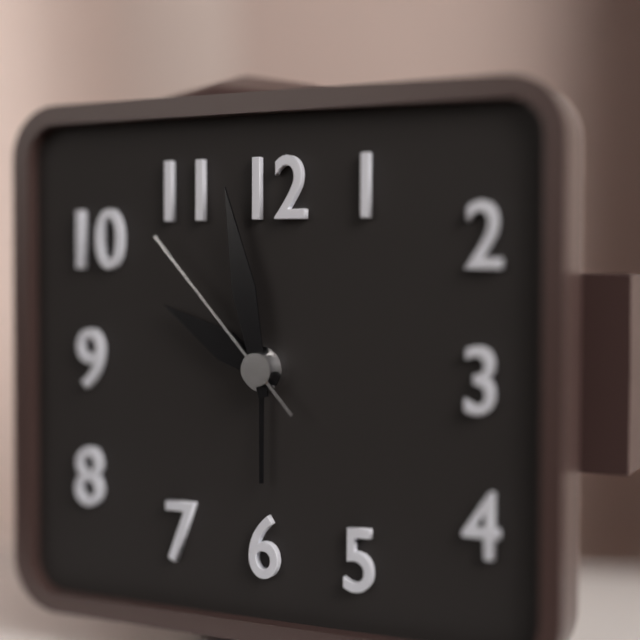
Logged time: 9 h 58 min 53 s
